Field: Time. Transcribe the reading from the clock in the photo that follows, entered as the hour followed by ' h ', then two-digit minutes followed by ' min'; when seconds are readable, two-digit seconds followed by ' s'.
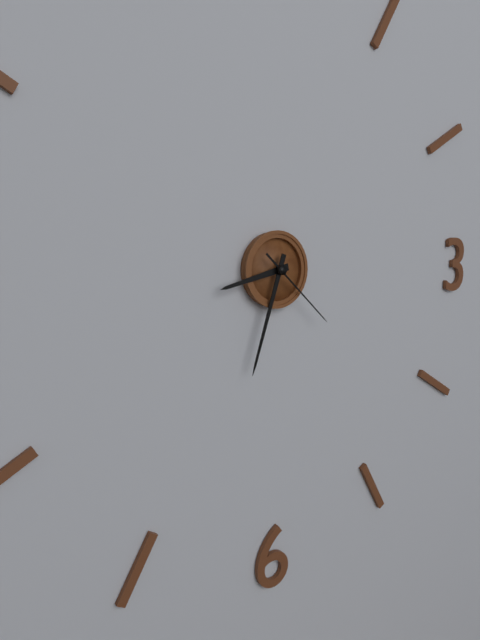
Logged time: 8 h 33 min 22 s
